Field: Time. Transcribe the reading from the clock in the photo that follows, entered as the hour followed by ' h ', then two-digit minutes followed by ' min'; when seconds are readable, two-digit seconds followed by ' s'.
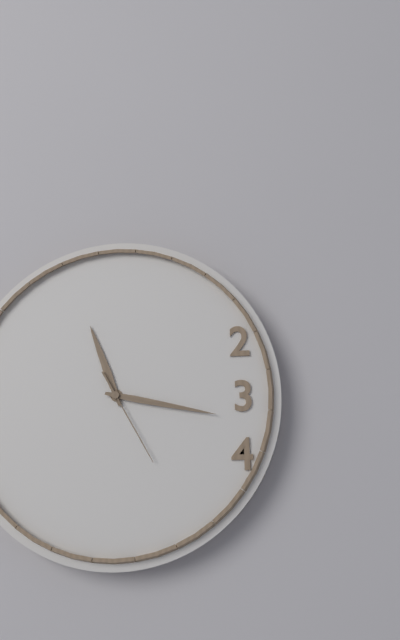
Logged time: 11 h 17 min 25 s
